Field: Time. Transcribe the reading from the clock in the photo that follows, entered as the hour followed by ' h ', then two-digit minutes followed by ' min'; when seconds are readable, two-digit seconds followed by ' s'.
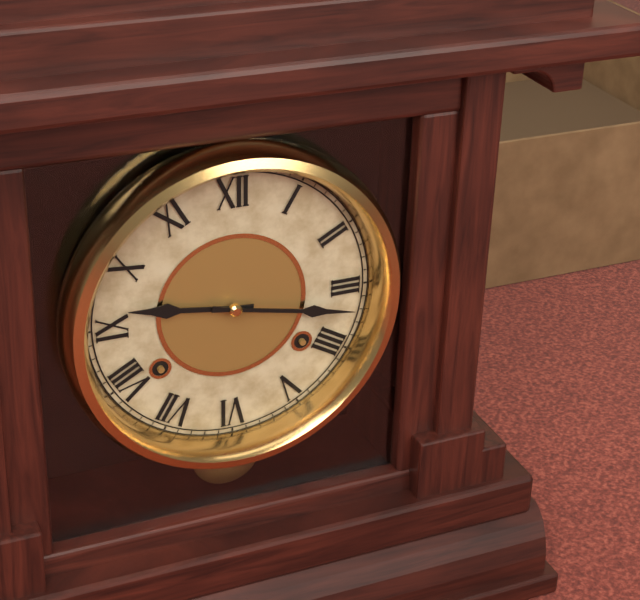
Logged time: 9 h 17 min
